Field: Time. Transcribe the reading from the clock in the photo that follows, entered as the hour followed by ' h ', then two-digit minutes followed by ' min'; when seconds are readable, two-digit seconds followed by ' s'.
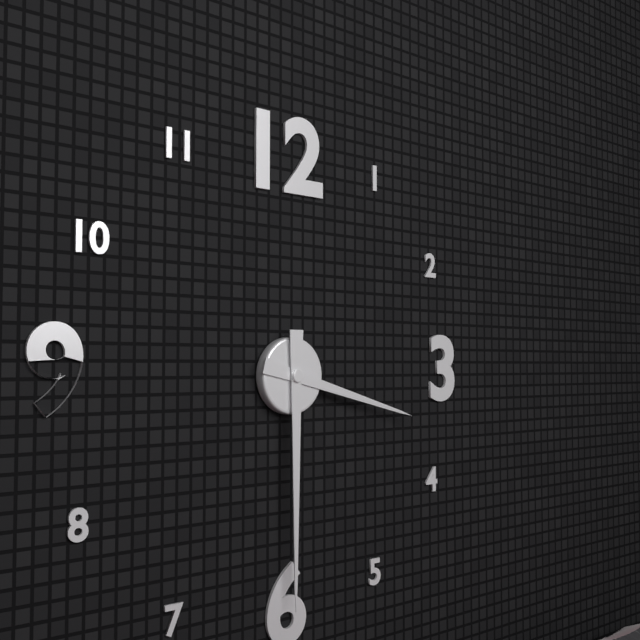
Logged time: 3 h 30 min
